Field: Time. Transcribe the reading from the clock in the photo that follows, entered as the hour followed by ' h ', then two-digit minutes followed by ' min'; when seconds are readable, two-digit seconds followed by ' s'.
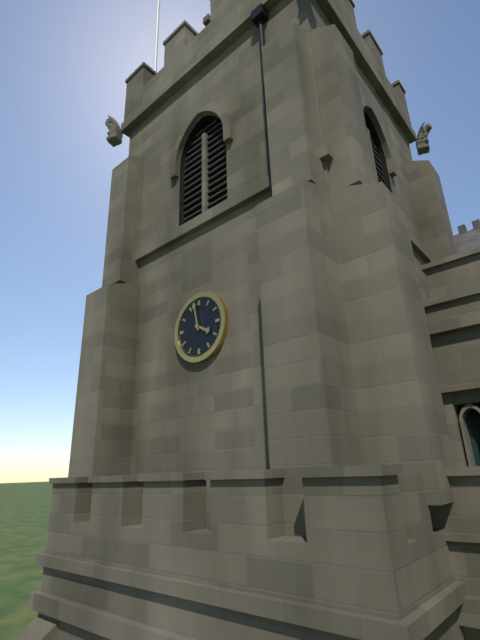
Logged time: 3 h 58 min
